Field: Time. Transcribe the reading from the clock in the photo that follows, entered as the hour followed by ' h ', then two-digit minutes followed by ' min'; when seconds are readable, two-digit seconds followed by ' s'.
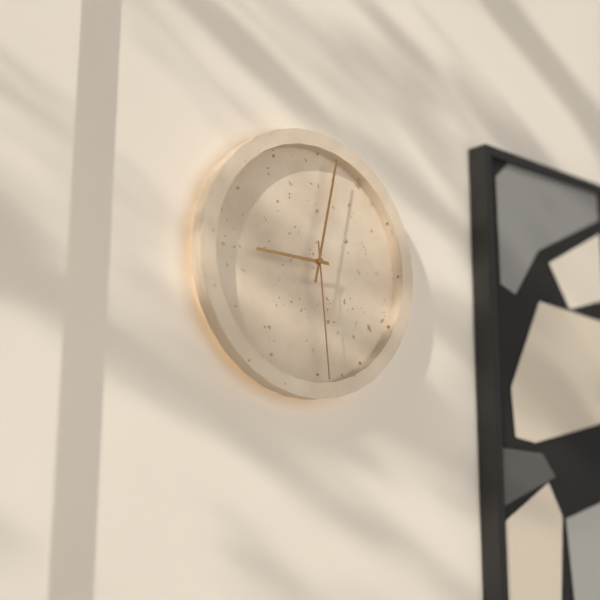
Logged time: 9 h 02 min 29 s
